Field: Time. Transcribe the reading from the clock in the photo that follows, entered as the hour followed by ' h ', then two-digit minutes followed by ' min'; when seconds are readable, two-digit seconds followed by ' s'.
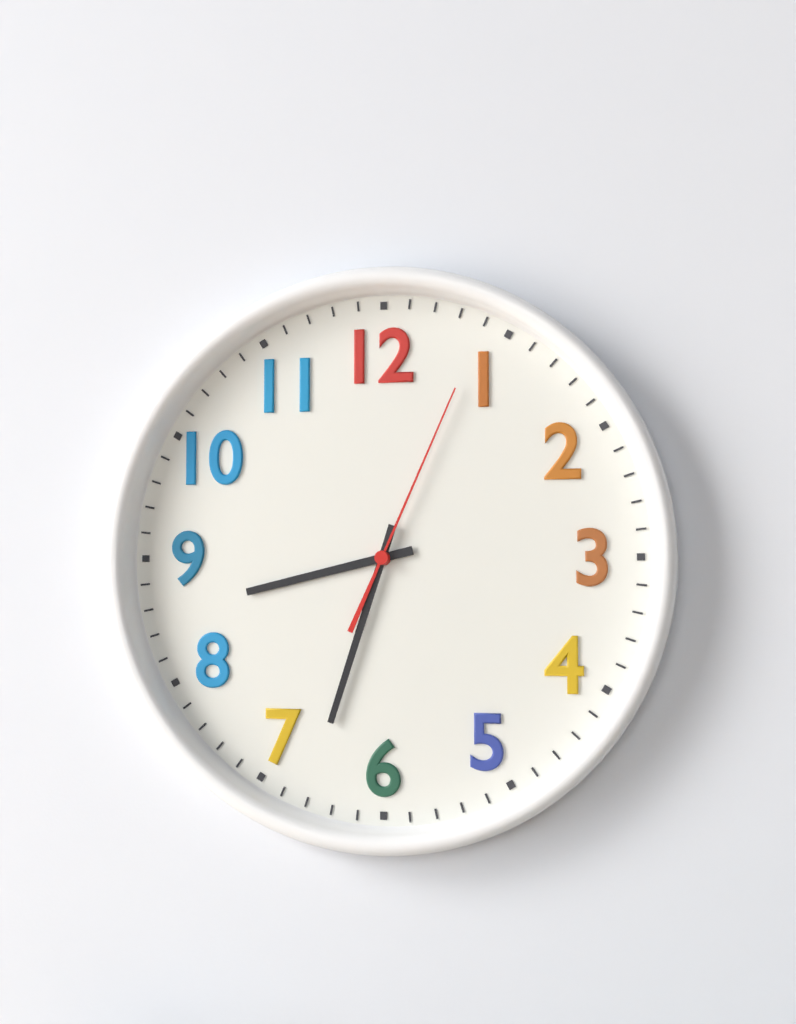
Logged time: 8 h 33 min 04 s
